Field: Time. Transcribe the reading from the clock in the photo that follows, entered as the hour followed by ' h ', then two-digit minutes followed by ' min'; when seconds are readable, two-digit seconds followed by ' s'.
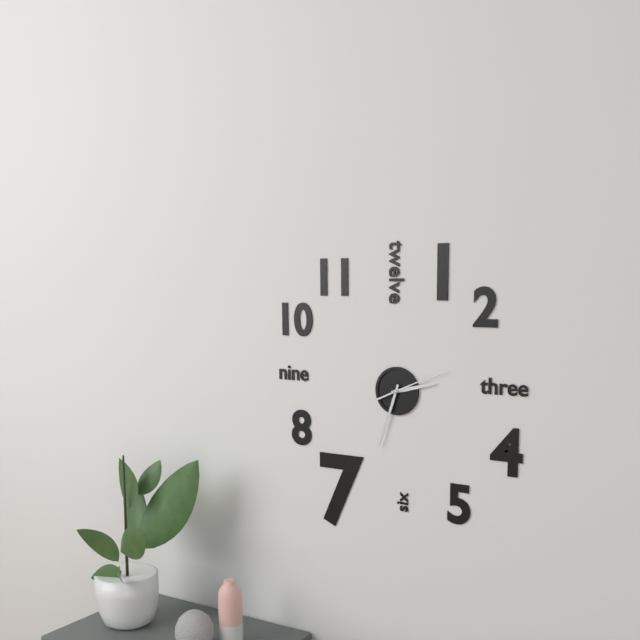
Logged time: 2 h 33 min 11 s
